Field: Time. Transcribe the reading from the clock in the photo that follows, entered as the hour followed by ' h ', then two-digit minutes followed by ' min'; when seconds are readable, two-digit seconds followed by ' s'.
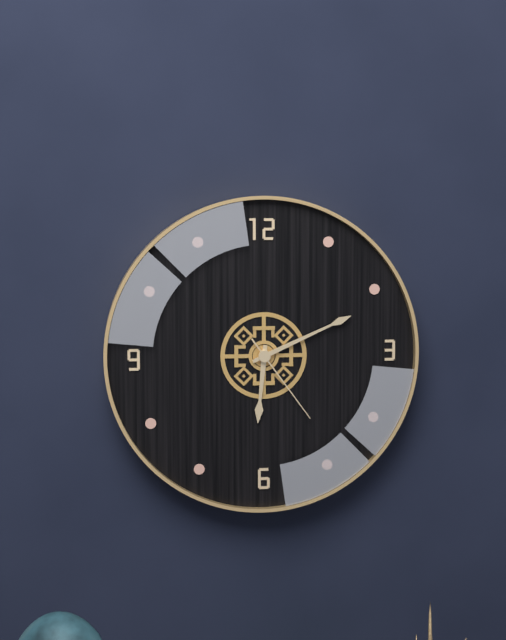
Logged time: 6 h 11 min 24 s
